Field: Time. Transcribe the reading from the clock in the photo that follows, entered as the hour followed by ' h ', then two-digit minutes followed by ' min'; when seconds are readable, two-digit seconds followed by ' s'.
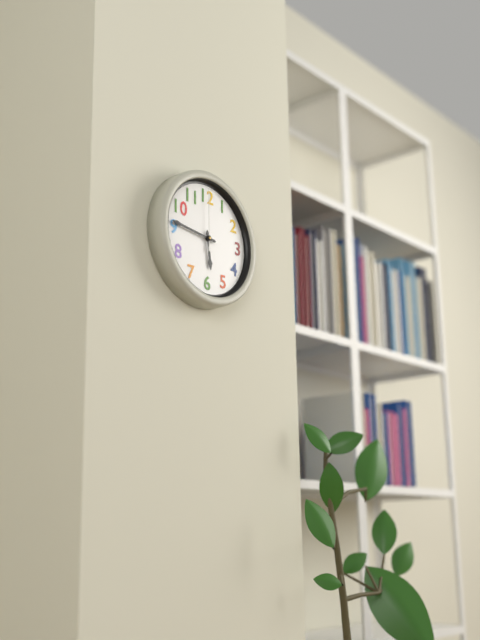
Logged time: 5 h 46 min 00 s
